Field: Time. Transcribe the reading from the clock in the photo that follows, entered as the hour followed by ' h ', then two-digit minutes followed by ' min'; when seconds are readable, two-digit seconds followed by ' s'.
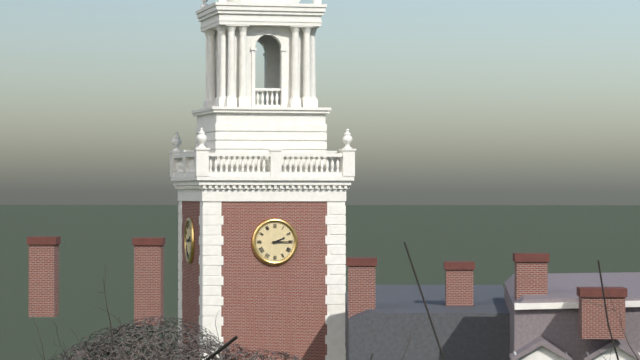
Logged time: 2 h 15 min
